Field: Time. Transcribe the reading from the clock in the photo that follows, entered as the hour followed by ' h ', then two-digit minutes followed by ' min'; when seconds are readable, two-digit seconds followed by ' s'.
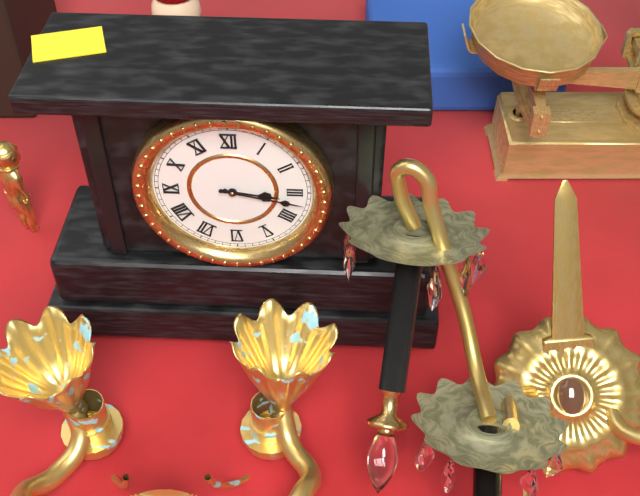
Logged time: 3 h 17 min
